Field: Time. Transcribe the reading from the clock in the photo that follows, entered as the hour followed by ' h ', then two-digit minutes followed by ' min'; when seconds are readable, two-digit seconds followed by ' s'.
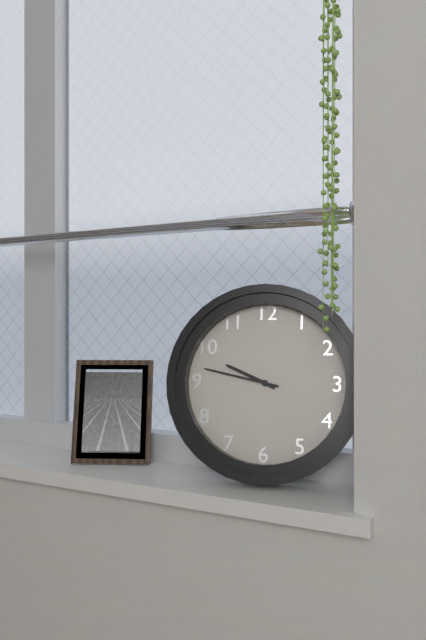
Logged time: 9 h 47 min
